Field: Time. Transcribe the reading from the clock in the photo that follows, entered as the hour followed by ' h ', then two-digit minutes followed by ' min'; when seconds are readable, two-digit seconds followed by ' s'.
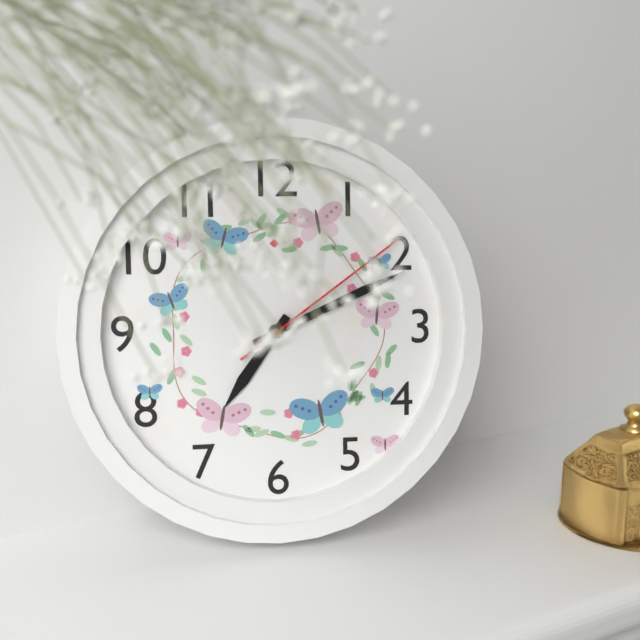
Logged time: 7 h 11 min 09 s
